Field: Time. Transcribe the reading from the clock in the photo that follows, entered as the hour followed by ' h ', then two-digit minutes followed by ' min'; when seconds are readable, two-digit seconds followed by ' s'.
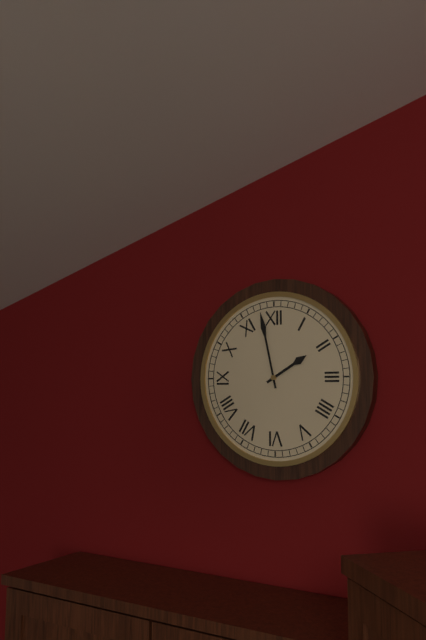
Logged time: 1 h 58 min
